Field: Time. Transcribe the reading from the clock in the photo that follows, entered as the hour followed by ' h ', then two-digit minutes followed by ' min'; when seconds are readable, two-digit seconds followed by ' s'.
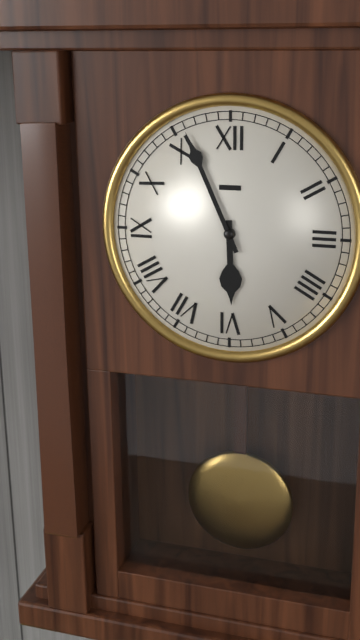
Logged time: 5 h 56 min
